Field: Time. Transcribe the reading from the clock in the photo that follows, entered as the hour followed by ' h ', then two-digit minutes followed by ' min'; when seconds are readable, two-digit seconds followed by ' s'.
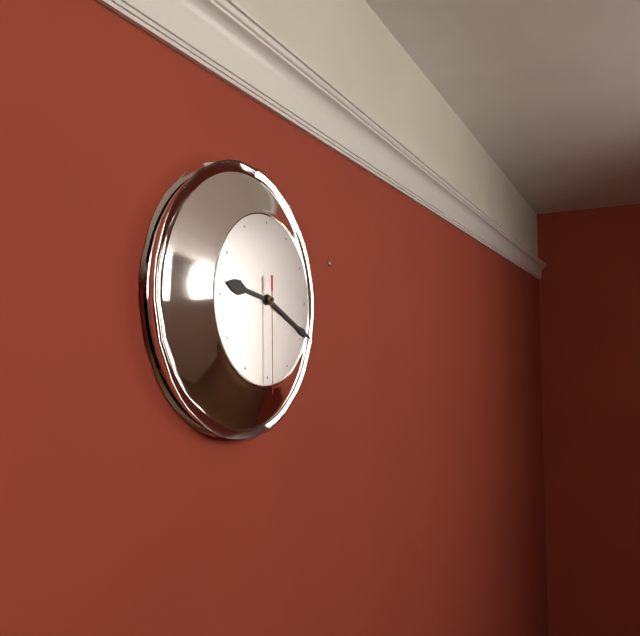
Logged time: 9 h 19 min 30 s
